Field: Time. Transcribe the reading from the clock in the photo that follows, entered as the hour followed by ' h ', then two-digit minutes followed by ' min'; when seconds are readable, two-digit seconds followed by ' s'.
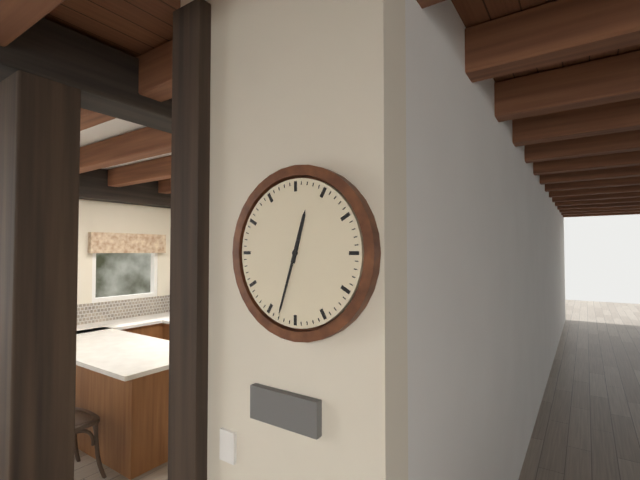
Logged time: 12 h 33 min
